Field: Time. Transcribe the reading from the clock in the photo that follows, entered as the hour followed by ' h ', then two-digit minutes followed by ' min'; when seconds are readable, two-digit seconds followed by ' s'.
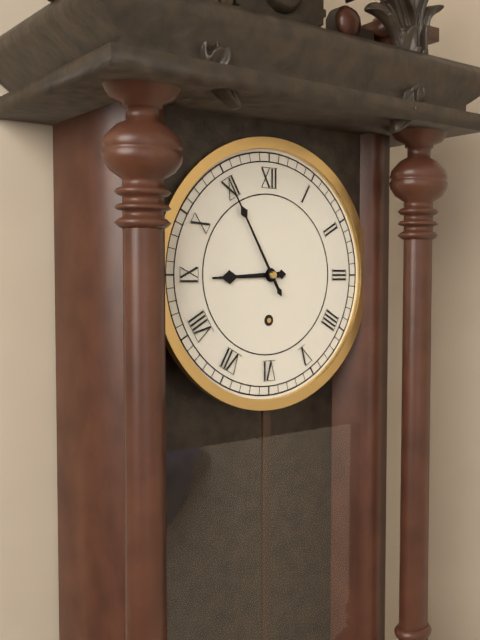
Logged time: 8 h 55 min
